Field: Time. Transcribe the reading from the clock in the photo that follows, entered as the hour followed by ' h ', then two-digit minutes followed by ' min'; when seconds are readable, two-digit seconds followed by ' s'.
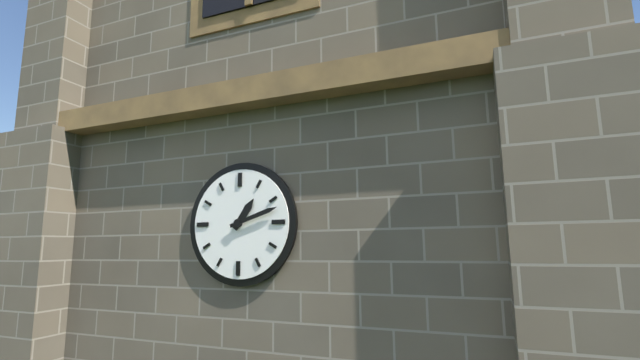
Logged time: 1 h 12 min
